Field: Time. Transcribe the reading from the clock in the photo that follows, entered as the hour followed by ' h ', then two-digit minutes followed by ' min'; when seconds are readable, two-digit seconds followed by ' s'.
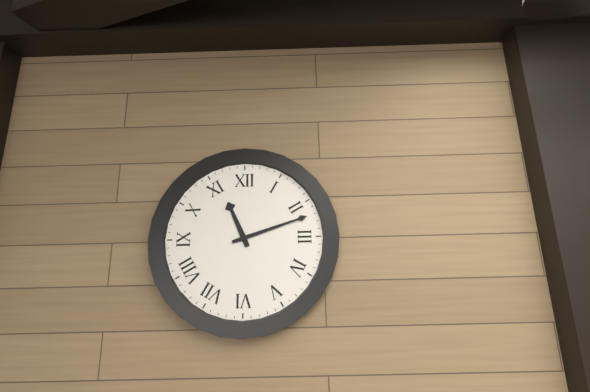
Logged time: 11 h 12 min
